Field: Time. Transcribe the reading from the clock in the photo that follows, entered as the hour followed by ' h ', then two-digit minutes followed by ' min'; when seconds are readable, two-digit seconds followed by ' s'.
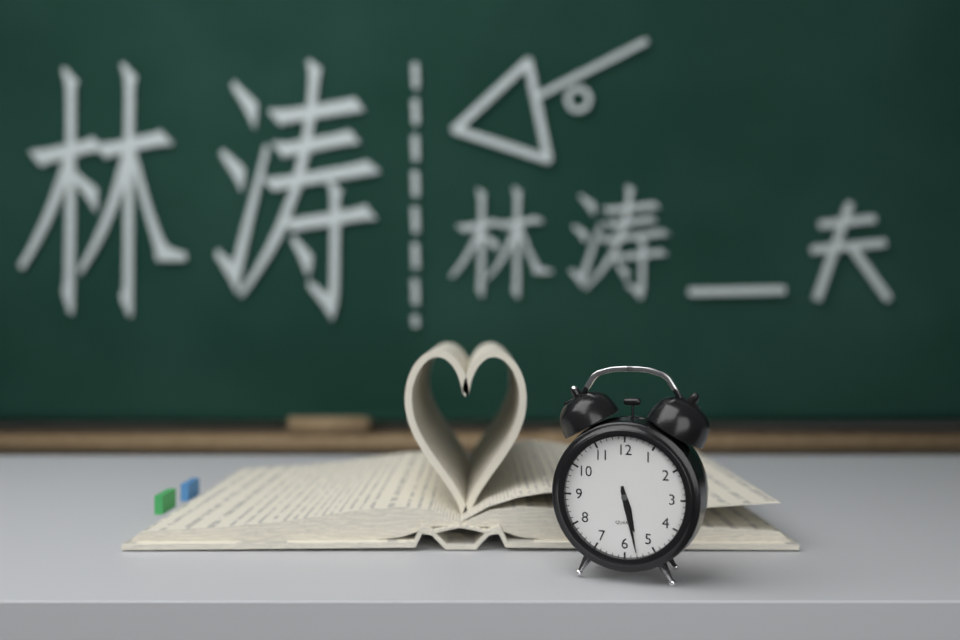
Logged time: 5 h 28 min
